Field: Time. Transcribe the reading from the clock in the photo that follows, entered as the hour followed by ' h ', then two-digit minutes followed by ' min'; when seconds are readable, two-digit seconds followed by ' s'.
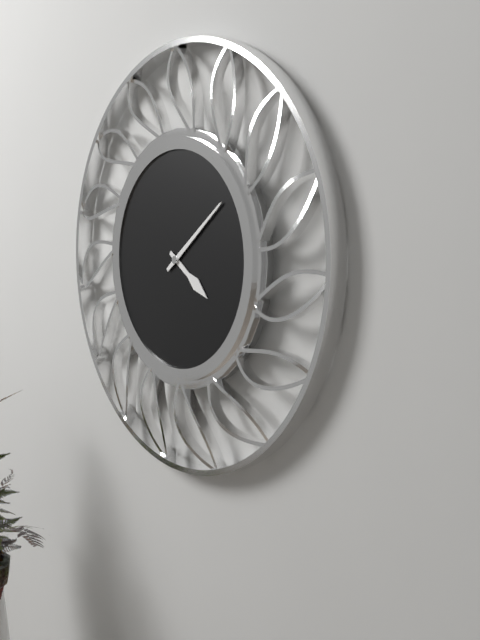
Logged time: 4 h 09 min
